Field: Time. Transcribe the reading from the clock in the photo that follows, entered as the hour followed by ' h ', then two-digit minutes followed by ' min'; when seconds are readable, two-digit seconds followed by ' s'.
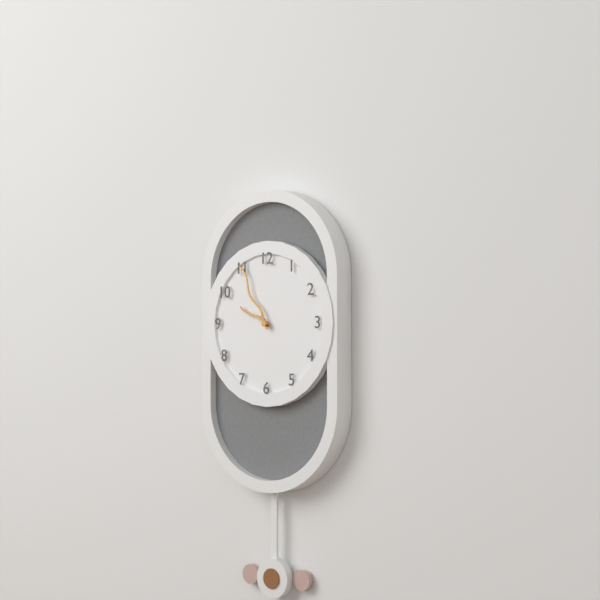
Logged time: 9 h 55 min
